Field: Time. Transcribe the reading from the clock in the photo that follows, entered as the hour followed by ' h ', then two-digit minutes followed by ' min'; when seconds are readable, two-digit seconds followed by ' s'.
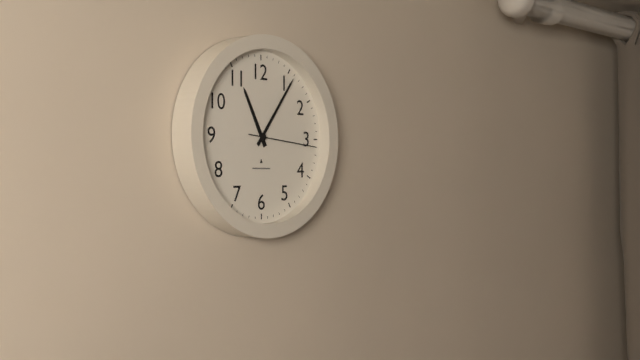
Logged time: 11 h 06 min 16 s
